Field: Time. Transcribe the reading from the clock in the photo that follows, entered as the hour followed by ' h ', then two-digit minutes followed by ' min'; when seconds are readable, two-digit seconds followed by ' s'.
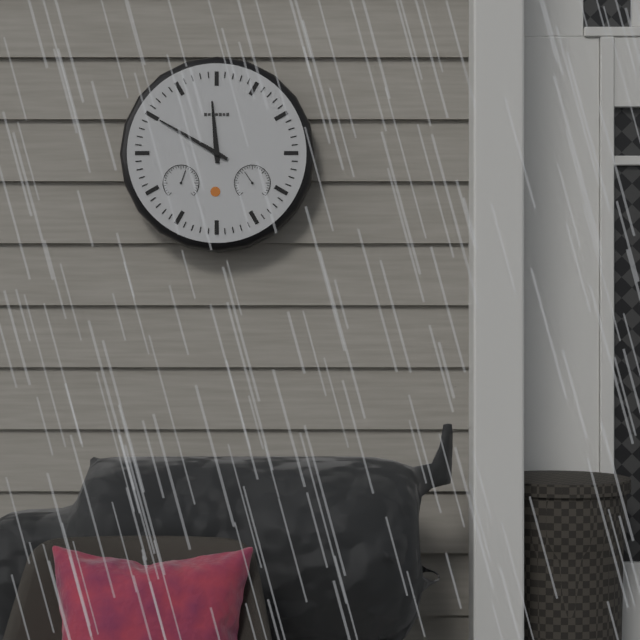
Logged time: 11 h 50 min
